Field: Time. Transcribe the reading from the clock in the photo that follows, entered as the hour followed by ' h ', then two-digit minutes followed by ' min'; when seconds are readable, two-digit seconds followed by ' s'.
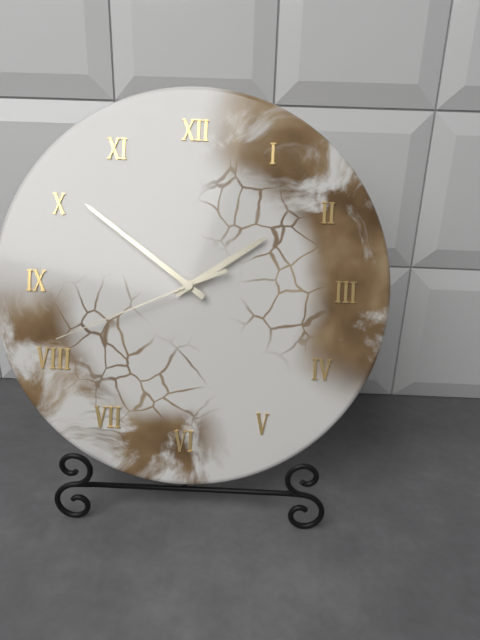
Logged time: 1 h 51 min 41 s
